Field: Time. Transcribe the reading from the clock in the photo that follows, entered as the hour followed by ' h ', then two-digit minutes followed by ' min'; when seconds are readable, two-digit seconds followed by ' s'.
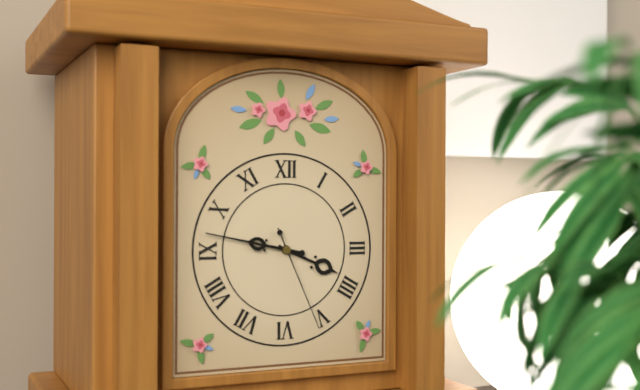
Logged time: 3 h 47 min 26 s
